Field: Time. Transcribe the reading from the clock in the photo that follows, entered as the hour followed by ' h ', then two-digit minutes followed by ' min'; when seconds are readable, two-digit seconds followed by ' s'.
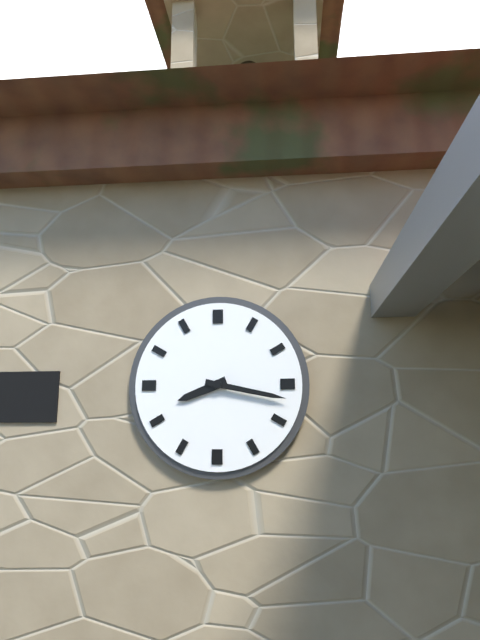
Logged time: 8 h 17 min
